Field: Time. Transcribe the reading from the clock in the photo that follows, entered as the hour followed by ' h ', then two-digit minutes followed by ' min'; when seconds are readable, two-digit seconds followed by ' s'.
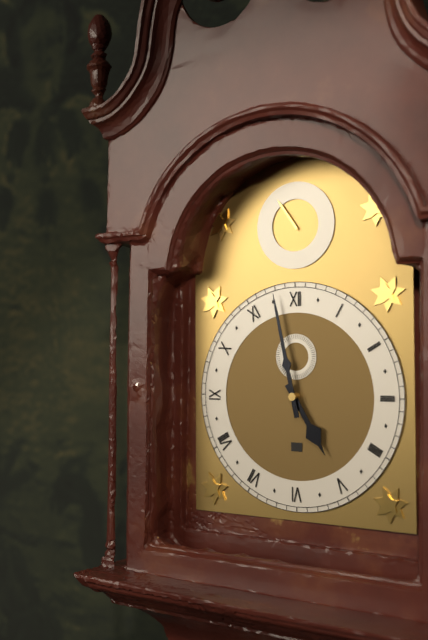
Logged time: 4 h 58 min
